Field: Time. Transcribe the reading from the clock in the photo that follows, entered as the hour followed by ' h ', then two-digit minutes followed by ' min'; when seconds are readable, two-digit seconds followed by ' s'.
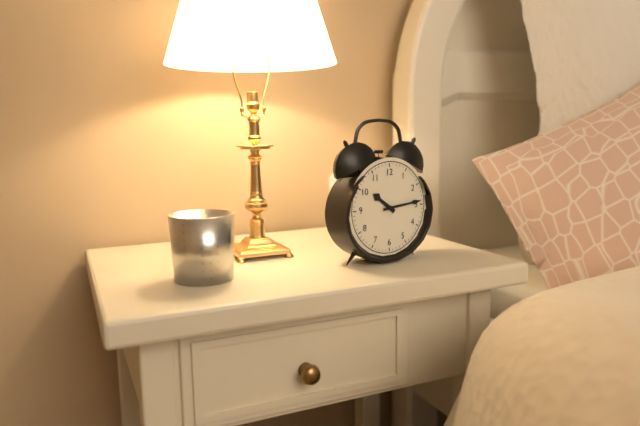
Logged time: 10 h 14 min
